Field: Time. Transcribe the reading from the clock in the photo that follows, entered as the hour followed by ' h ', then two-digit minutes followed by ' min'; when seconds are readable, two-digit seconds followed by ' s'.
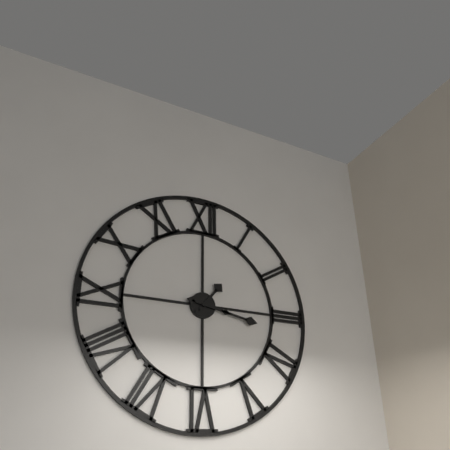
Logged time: 1 h 17 min
